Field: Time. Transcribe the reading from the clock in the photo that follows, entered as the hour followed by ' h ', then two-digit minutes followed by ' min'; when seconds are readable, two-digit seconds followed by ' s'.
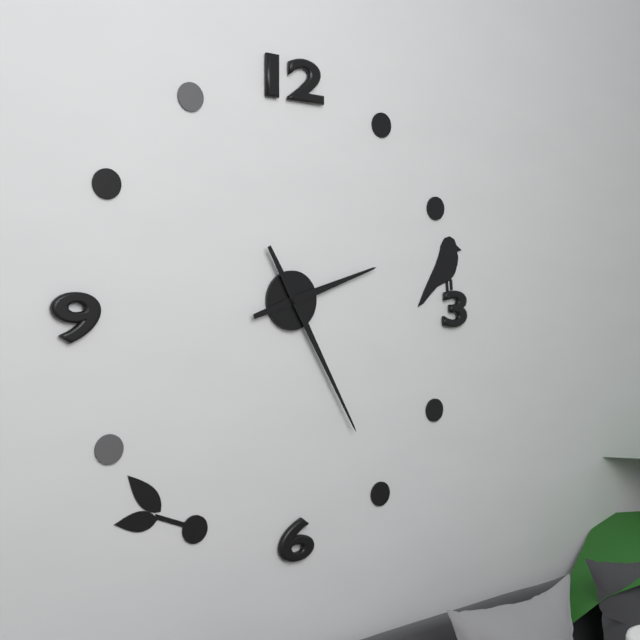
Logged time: 2 h 25 min
